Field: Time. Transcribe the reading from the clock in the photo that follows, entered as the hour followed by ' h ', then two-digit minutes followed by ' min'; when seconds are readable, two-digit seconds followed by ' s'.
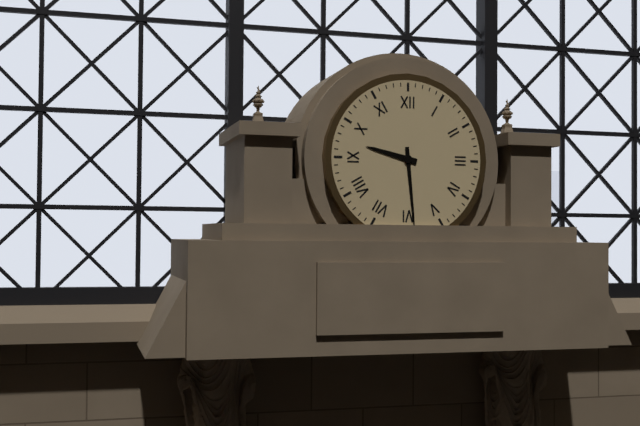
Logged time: 9 h 29 min
